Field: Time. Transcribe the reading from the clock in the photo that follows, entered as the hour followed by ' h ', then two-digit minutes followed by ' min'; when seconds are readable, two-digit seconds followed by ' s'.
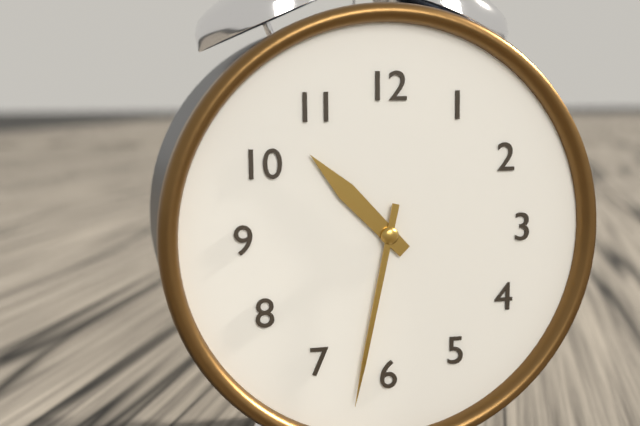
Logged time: 10 h 32 min
